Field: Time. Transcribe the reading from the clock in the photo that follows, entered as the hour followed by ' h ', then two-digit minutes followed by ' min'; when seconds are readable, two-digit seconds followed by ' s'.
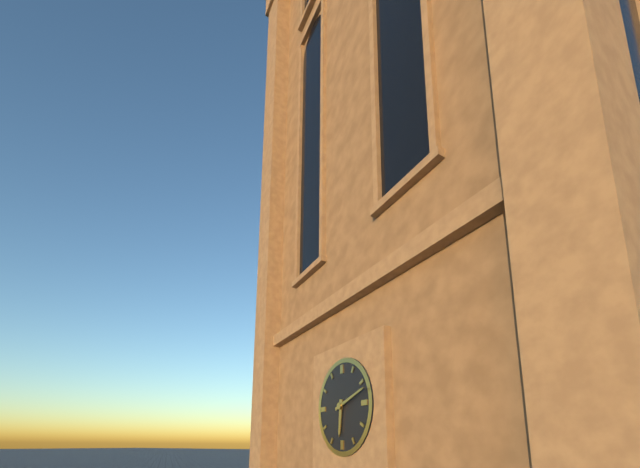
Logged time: 6 h 12 min
